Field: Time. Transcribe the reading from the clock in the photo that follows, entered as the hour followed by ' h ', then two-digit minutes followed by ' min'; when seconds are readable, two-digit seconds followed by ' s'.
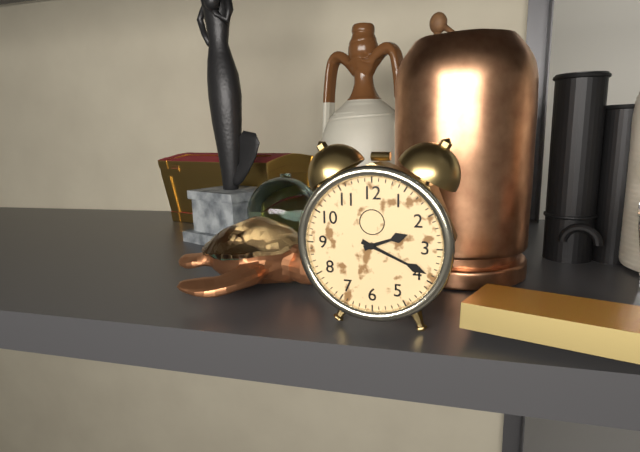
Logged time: 2 h 19 min
